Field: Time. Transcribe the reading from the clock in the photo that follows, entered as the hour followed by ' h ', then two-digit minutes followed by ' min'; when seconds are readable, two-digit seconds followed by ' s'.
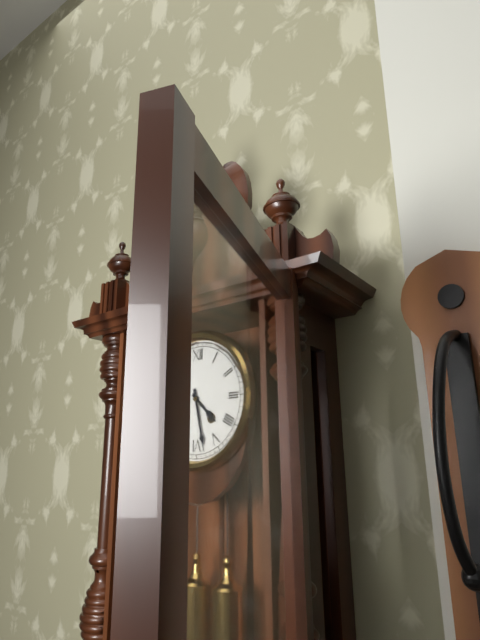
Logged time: 4 h 28 min
